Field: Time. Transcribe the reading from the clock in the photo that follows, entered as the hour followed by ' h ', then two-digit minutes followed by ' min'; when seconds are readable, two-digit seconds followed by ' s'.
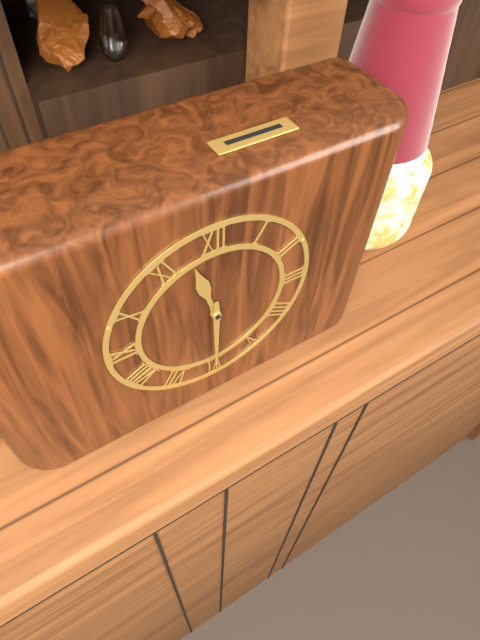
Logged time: 11 h 30 min
